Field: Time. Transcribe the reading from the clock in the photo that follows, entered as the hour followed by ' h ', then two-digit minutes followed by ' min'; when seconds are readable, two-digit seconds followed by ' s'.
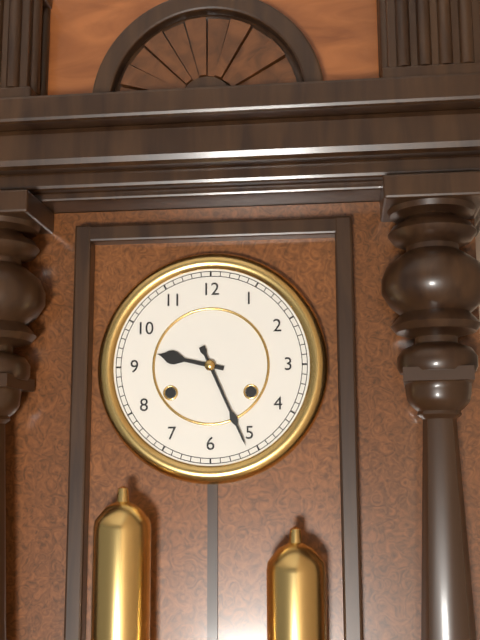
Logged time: 9 h 26 min
